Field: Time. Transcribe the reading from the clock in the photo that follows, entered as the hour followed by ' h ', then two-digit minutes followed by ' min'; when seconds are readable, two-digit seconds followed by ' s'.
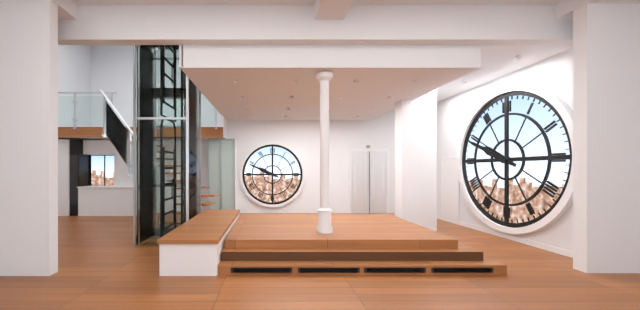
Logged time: 9 h 49 min
